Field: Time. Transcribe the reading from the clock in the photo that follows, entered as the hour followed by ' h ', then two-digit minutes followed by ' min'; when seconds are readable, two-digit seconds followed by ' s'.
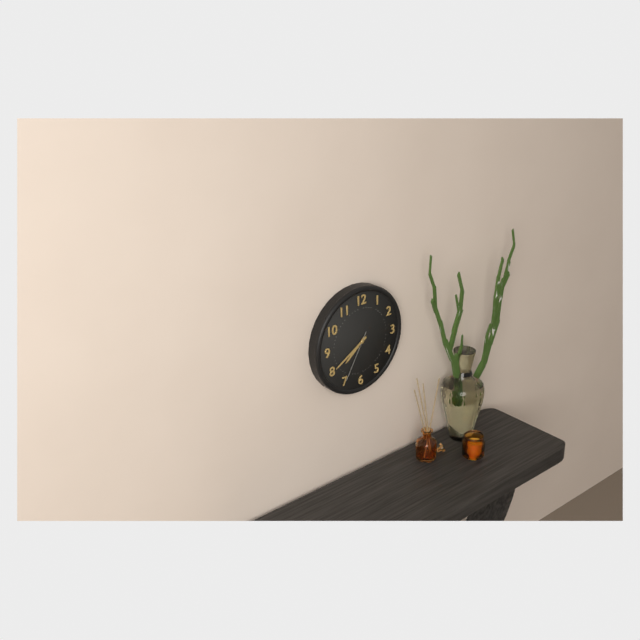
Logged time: 7 h 40 min 35 s
